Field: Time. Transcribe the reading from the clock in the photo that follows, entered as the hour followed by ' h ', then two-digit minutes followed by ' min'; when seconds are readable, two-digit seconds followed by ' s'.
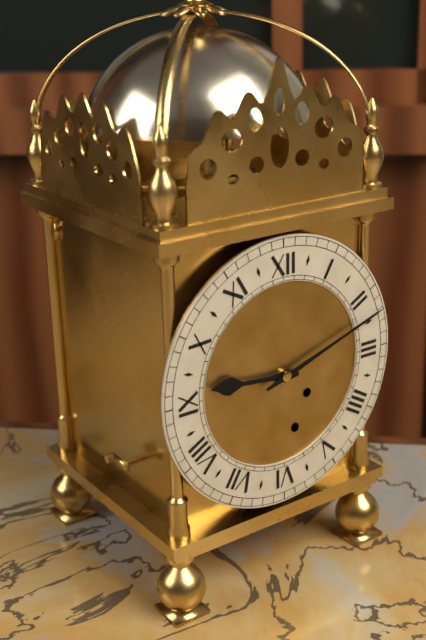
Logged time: 9 h 12 min
